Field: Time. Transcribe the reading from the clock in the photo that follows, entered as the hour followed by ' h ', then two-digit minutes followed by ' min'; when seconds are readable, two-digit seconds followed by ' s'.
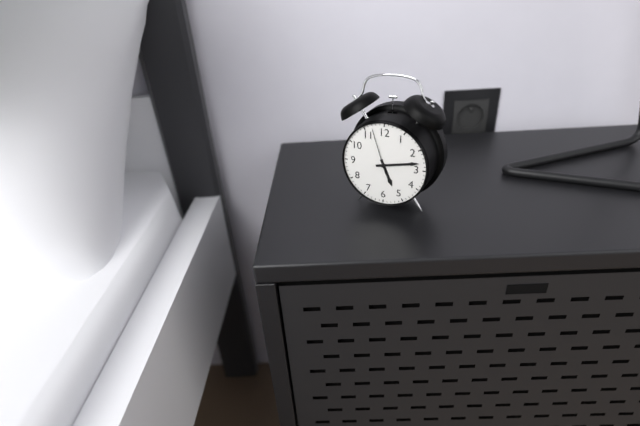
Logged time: 5 h 13 min
